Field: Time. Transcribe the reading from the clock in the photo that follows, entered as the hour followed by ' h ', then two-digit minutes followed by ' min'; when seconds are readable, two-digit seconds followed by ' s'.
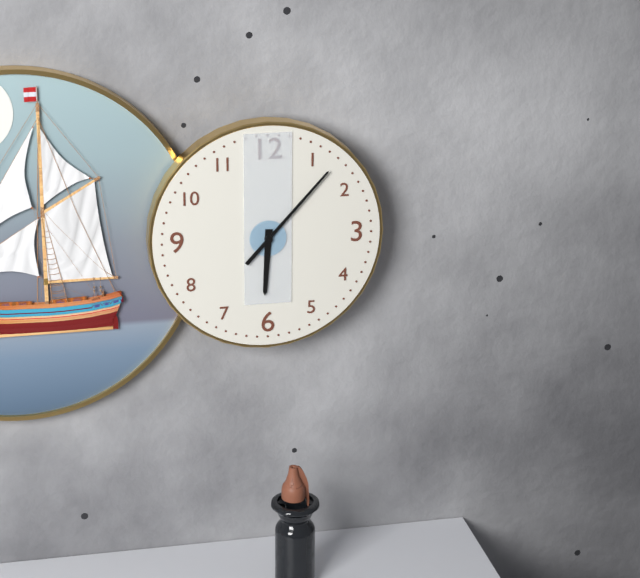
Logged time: 6 h 07 min
